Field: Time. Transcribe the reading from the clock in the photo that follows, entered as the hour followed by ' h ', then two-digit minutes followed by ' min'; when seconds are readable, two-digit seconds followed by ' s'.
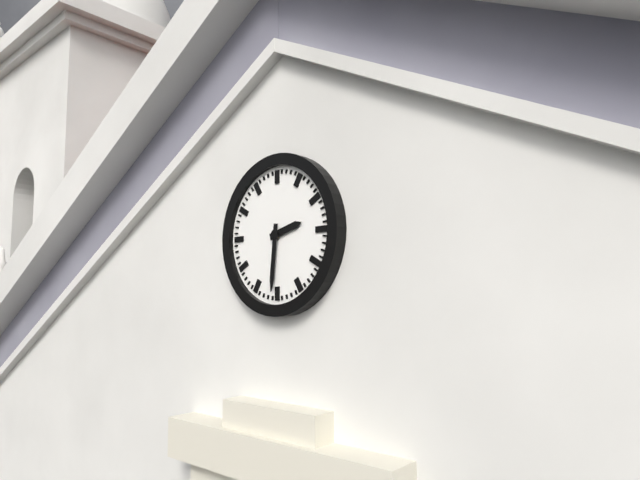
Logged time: 2 h 31 min
